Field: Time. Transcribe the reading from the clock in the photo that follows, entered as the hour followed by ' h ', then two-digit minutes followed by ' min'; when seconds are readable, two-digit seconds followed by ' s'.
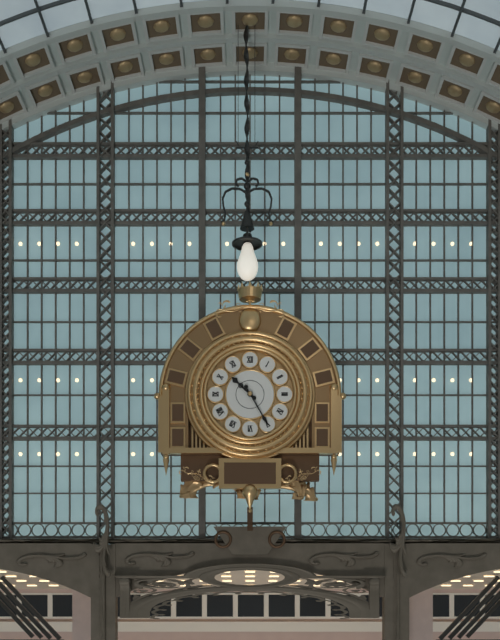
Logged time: 10 h 25 min
